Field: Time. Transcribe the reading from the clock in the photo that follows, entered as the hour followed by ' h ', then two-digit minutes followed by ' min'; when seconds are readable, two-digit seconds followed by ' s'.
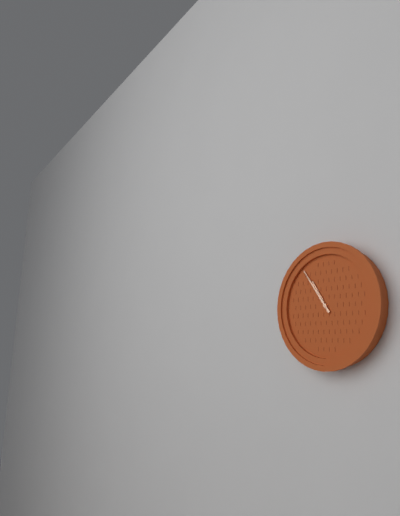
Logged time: 10 h 54 min
